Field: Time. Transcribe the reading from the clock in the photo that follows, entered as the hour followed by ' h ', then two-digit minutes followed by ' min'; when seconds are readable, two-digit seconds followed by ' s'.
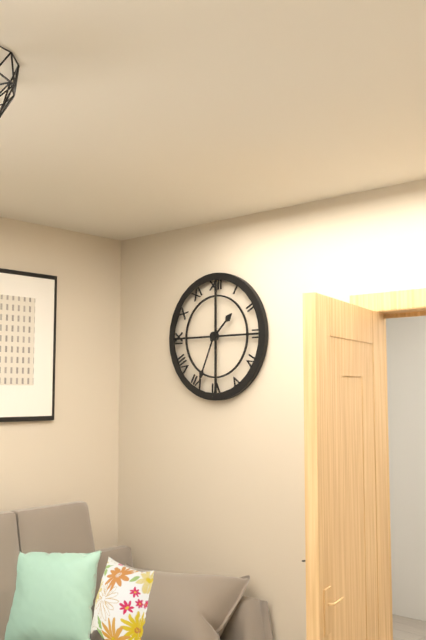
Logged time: 1 h 34 min
